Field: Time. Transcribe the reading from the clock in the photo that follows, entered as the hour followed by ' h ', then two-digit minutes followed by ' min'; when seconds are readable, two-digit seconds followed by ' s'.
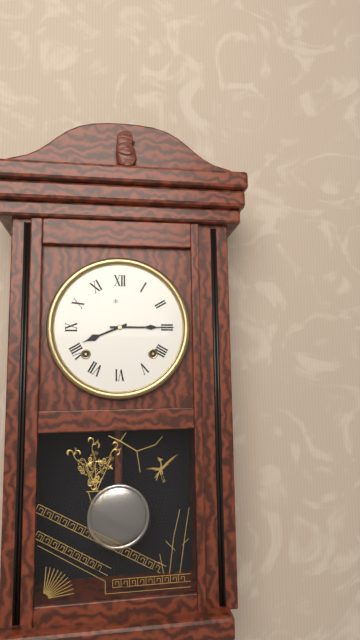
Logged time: 8 h 15 min
